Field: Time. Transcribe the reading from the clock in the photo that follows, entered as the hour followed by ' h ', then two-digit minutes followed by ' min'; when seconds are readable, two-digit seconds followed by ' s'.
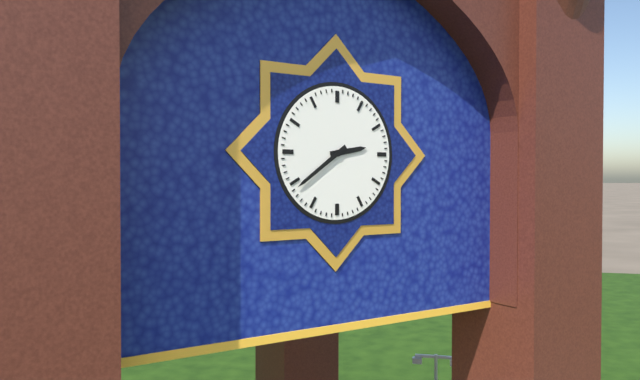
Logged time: 2 h 39 min
